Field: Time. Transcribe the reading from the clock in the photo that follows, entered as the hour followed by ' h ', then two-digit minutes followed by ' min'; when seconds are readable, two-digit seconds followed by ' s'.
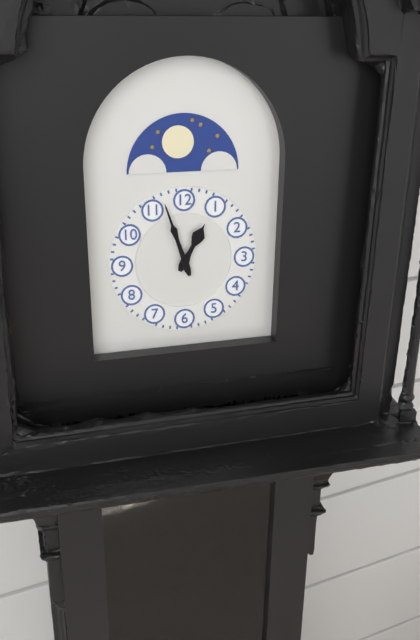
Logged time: 12 h 57 min
